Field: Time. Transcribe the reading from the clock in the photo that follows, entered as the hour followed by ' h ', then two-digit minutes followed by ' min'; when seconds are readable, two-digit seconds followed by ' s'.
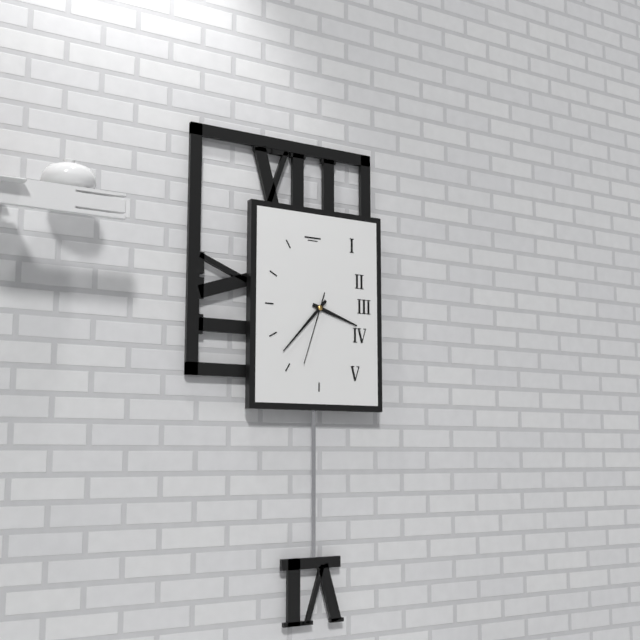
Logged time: 3 h 37 min 33 s
